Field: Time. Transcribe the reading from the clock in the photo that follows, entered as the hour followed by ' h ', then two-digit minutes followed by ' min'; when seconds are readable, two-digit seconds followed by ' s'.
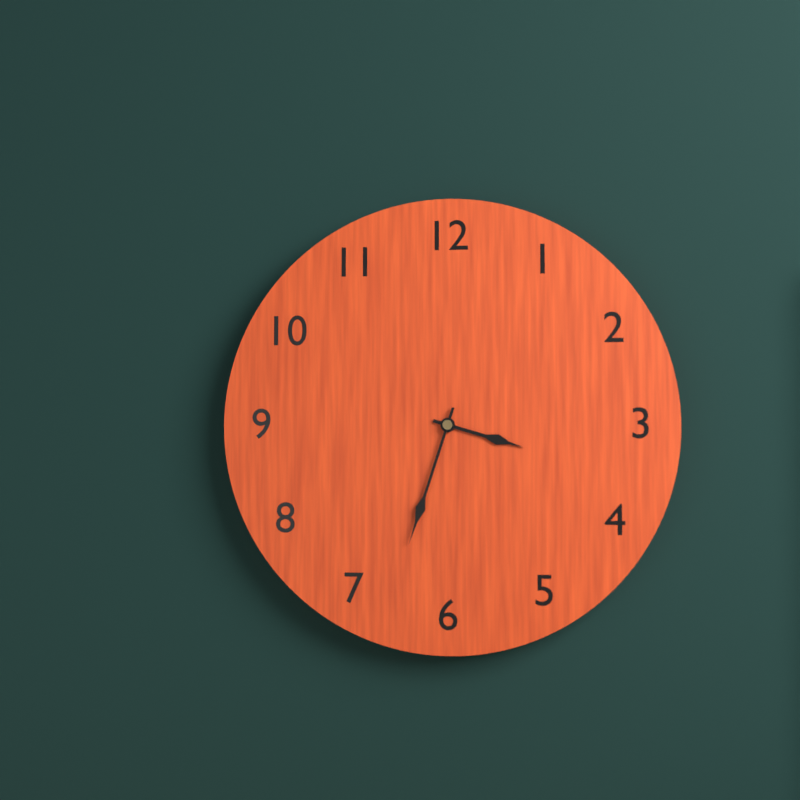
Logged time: 3 h 33 min
